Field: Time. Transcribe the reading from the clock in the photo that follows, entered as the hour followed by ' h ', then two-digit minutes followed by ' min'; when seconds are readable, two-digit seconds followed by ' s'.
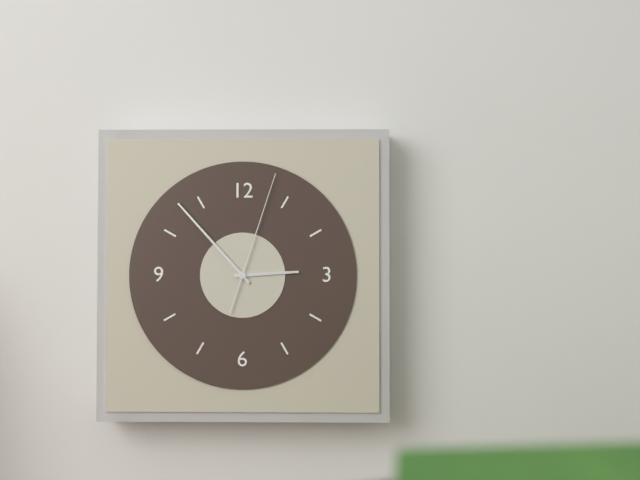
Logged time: 2 h 53 min 03 s
